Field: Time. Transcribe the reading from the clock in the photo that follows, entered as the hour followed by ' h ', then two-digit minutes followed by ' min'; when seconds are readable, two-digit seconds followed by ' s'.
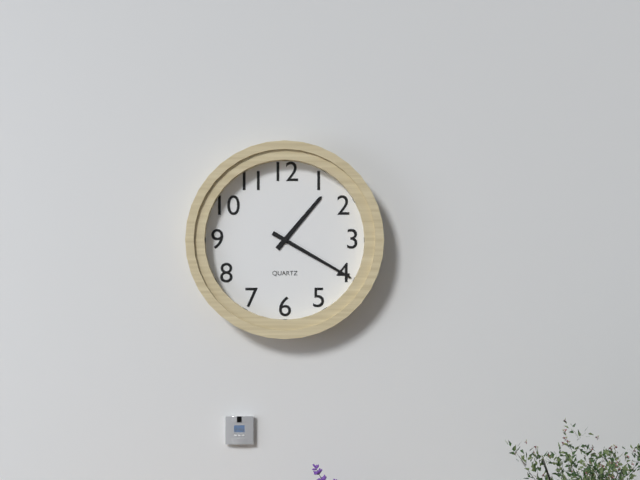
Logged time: 1 h 20 min
